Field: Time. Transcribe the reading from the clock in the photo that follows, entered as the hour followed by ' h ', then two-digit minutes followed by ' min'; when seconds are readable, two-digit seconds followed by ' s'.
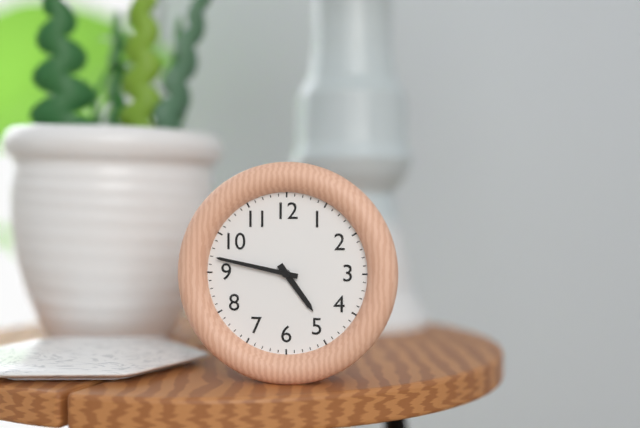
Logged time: 4 h 47 min
